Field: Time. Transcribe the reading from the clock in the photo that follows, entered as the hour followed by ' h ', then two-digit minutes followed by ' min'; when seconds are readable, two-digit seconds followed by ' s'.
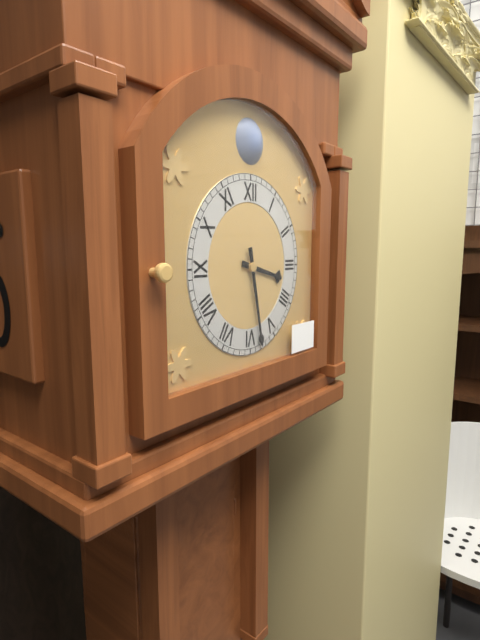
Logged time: 3 h 28 min
